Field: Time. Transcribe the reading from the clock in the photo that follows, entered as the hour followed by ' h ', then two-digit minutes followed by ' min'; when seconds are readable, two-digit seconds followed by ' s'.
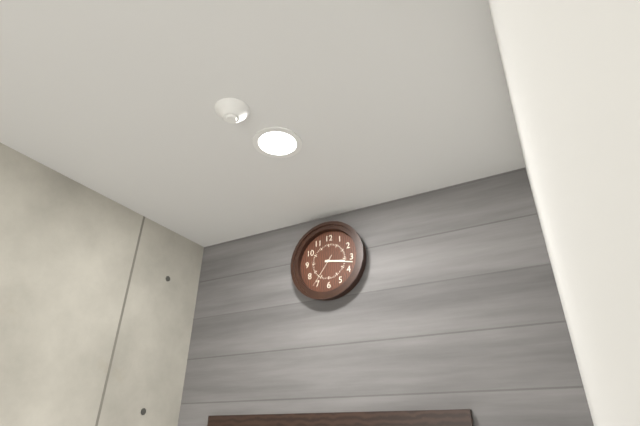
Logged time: 3 h 17 min
